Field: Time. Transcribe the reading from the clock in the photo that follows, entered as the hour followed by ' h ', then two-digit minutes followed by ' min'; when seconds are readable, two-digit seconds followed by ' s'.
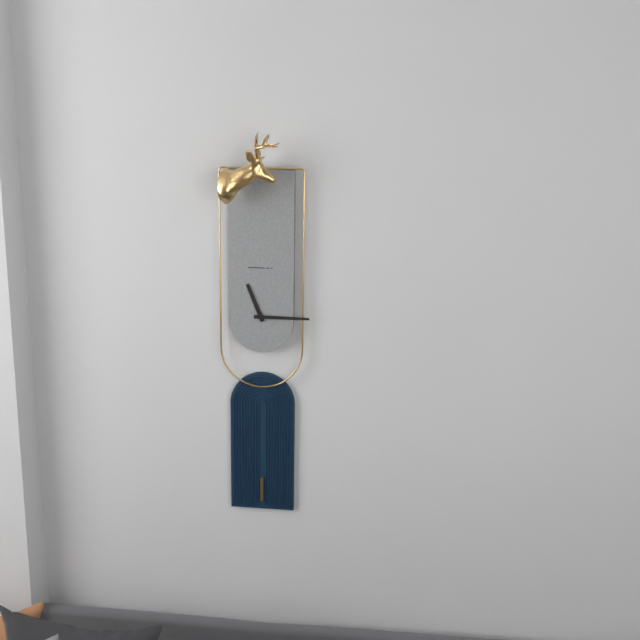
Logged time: 11 h 15 min
